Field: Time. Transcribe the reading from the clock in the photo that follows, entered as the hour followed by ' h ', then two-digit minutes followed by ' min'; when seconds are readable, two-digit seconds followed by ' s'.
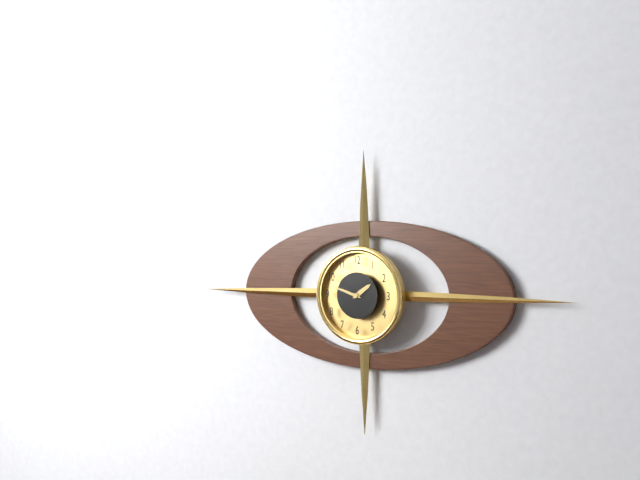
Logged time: 1 h 48 min
